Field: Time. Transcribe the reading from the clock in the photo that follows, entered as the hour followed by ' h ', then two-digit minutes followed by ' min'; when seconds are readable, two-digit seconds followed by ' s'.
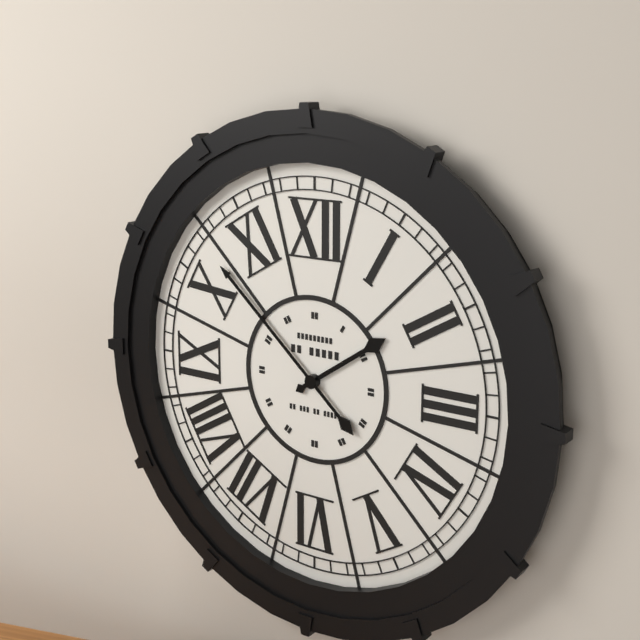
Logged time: 1 h 52 min
